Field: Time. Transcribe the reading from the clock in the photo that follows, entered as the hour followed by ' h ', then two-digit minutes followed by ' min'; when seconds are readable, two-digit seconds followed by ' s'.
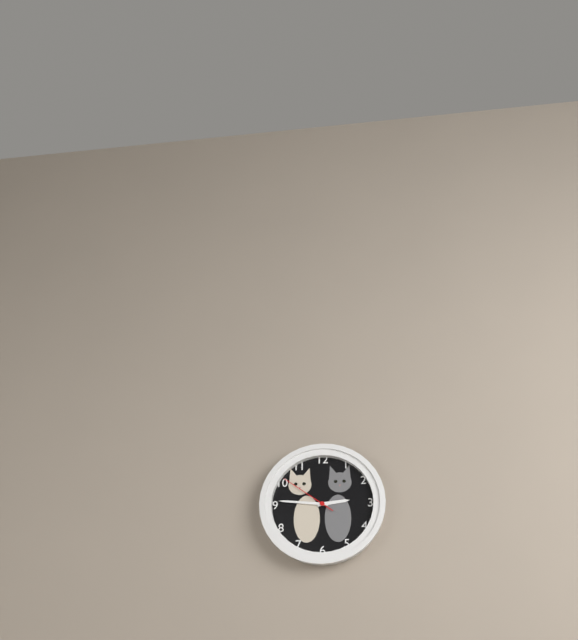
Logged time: 2 h 46 min 51 s
